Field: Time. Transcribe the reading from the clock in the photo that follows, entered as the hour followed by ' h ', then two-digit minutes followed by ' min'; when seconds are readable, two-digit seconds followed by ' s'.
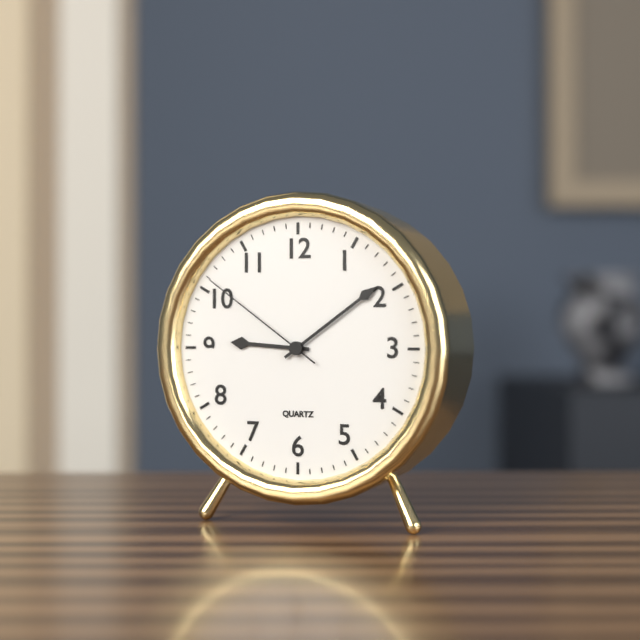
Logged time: 9 h 09 min 51 s
